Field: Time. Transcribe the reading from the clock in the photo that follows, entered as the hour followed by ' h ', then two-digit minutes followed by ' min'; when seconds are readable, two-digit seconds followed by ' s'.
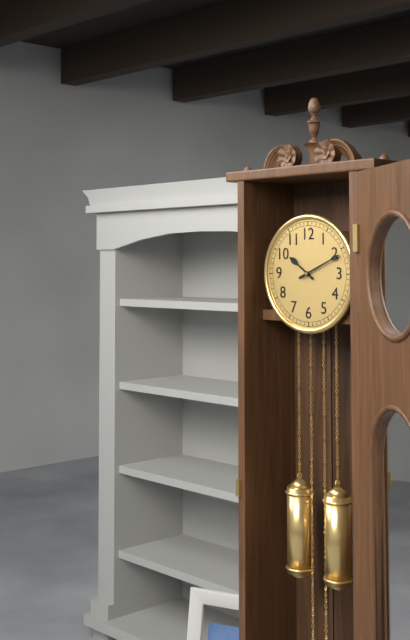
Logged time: 10 h 11 min
